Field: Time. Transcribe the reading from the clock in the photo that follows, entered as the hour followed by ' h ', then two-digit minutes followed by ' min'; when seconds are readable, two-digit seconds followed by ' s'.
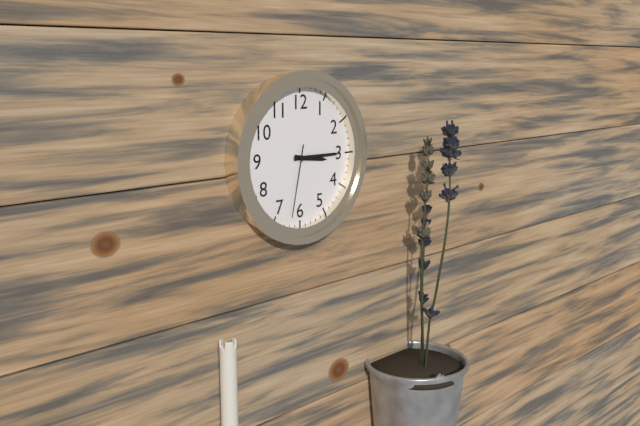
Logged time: 3 h 15 min 32 s
